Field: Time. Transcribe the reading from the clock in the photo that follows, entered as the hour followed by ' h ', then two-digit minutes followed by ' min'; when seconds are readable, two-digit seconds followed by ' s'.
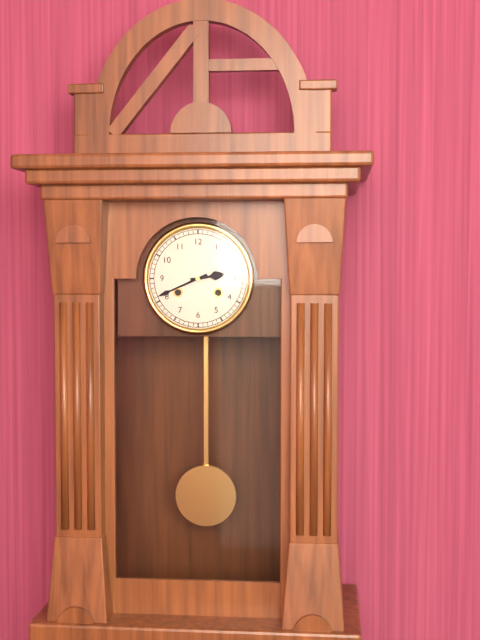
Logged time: 2 h 41 min
